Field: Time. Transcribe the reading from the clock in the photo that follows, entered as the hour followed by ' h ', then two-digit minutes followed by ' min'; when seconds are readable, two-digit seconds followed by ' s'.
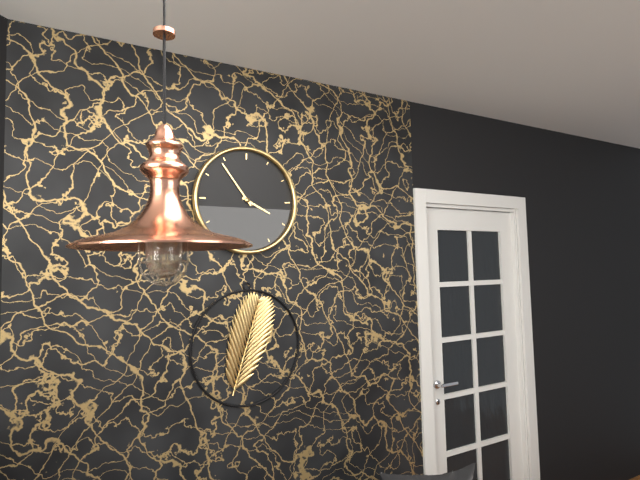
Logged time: 3 h 54 min
